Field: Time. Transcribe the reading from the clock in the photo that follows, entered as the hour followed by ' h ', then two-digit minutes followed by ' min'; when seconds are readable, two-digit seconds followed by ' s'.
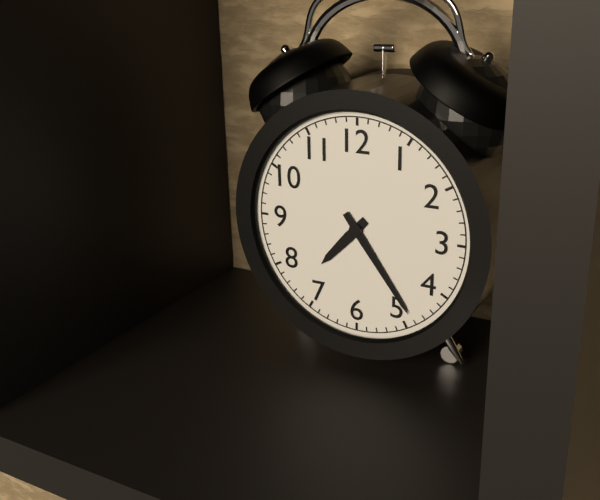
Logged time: 7 h 24 min
